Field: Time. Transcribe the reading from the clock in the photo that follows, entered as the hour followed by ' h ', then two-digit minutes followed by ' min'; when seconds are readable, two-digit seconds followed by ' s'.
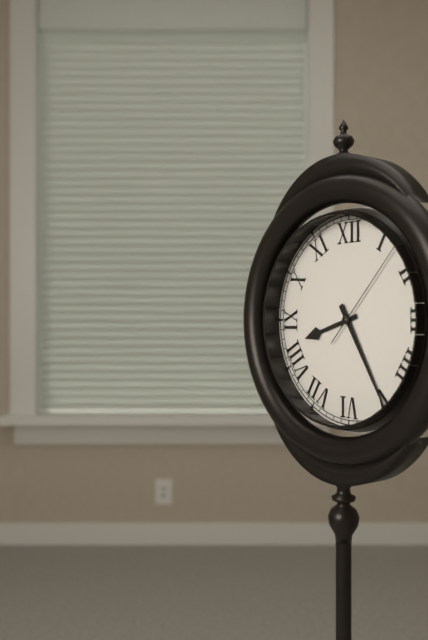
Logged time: 8 h 25 min 07 s
